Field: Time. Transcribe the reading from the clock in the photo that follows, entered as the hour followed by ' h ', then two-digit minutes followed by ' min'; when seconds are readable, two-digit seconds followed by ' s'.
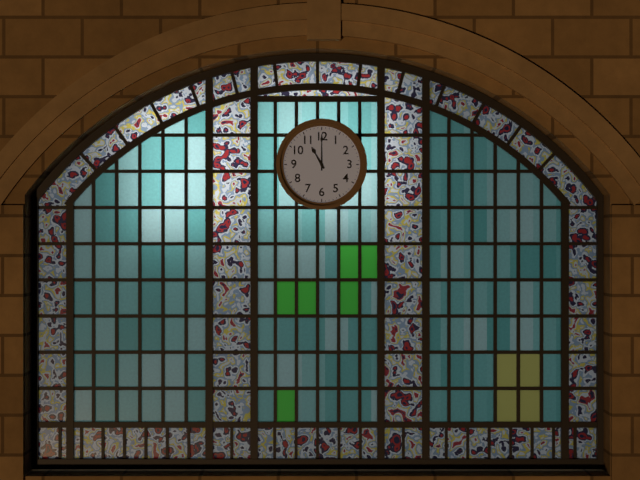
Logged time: 11 h 00 min
